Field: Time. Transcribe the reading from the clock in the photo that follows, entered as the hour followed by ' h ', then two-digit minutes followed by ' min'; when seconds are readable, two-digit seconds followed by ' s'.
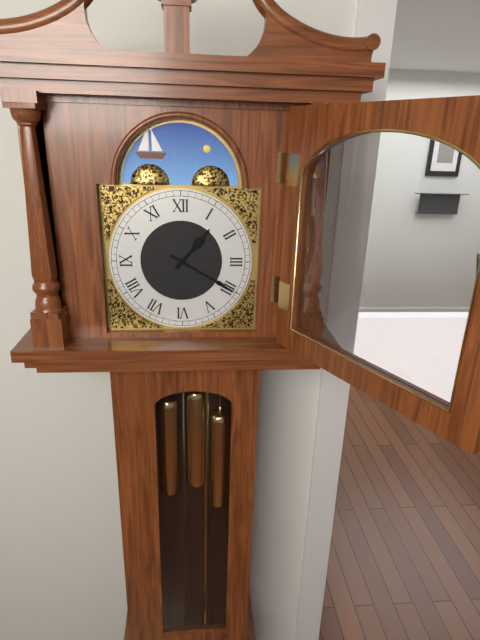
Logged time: 1 h 20 min
